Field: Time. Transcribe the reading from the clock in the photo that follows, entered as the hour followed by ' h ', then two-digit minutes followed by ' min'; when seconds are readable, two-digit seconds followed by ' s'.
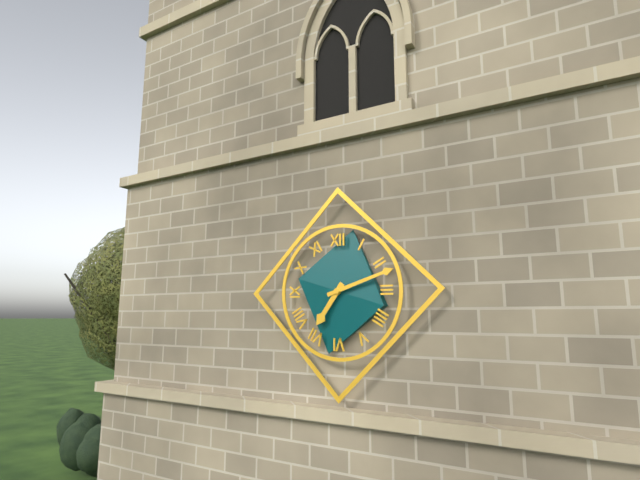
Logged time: 7 h 12 min
